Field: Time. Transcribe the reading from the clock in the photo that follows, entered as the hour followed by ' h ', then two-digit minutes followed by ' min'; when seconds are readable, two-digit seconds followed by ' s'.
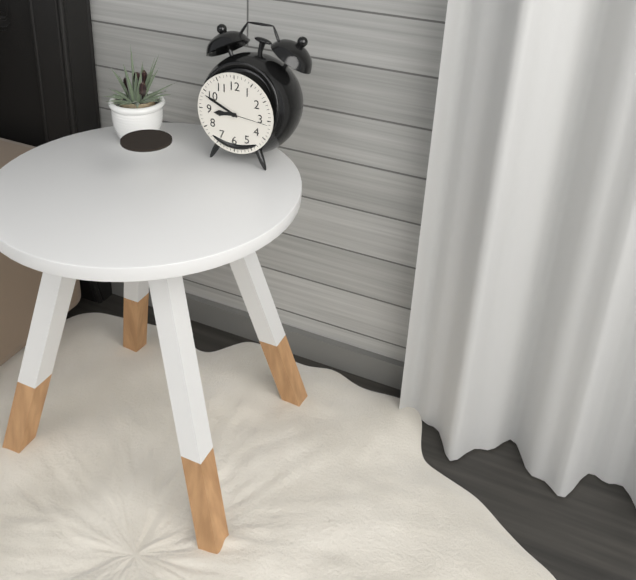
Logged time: 8 h 49 min
